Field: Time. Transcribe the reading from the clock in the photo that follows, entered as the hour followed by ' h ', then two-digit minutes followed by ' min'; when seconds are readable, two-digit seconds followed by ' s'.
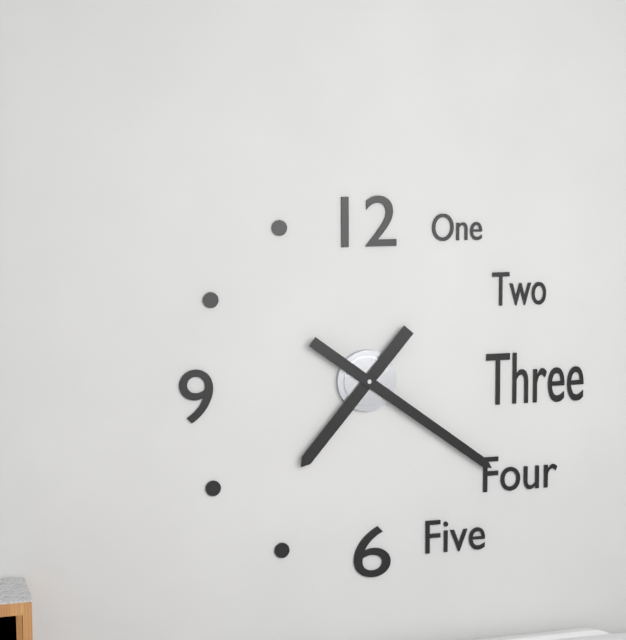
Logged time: 7 h 21 min
